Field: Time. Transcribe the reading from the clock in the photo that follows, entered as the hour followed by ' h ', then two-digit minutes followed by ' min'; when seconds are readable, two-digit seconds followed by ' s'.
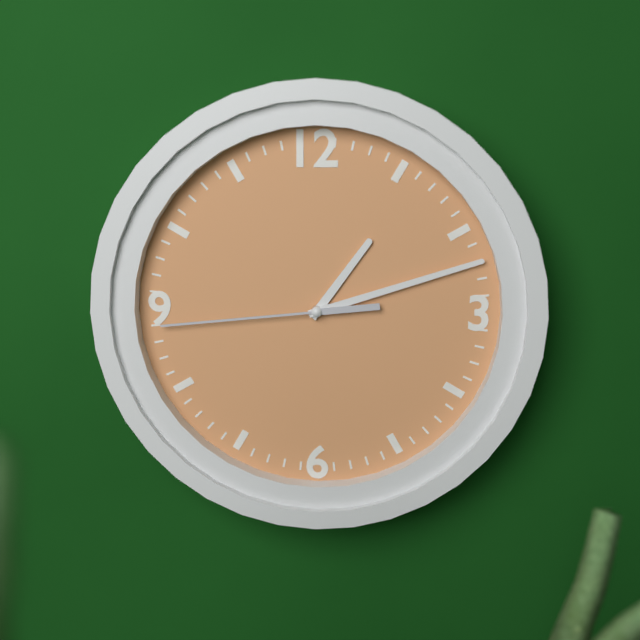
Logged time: 1 h 12 min 44 s
